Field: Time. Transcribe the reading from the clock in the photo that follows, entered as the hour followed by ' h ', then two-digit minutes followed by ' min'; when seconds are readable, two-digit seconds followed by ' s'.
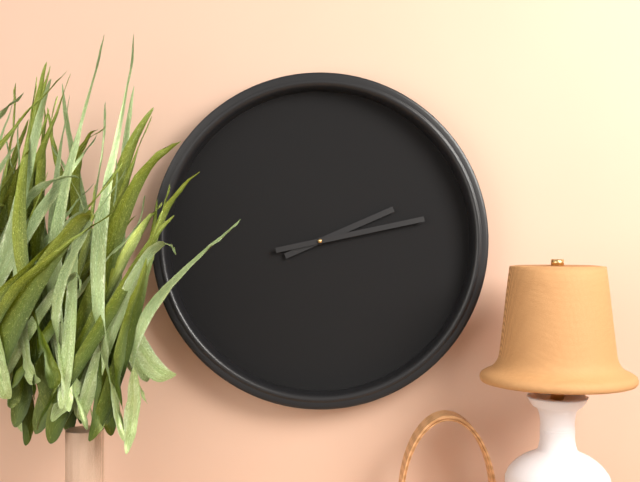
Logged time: 2 h 13 min
